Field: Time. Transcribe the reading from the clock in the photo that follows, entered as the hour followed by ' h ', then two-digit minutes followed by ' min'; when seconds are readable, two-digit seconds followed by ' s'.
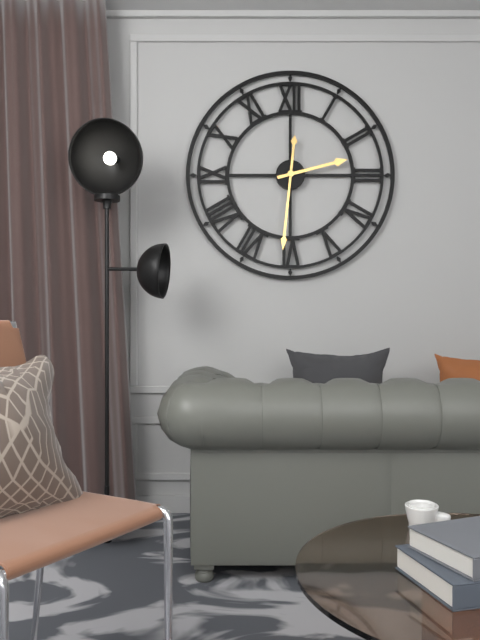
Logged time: 2 h 31 min
